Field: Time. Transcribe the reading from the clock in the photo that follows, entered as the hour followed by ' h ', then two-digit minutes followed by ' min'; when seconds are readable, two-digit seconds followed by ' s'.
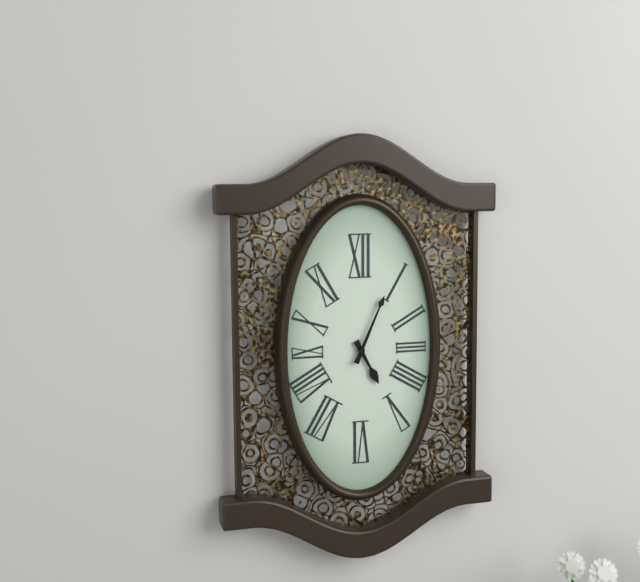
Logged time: 5 h 04 min
